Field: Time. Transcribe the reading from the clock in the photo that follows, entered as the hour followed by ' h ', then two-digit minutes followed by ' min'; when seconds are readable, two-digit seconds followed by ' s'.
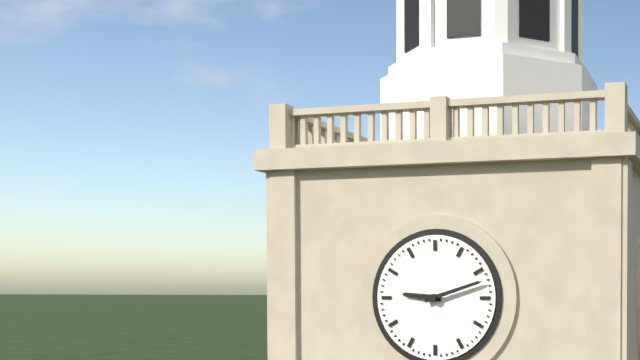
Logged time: 9 h 12 min
